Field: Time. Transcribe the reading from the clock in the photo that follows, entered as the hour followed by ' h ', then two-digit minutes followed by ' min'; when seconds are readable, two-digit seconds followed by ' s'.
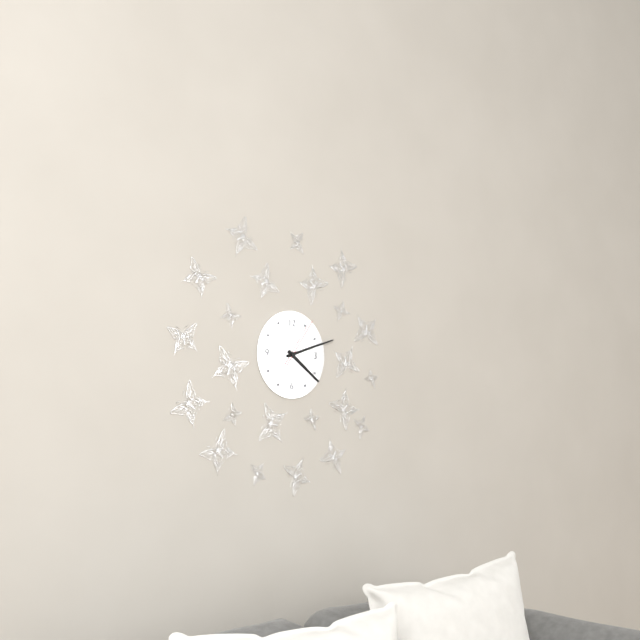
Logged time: 4 h 12 min
